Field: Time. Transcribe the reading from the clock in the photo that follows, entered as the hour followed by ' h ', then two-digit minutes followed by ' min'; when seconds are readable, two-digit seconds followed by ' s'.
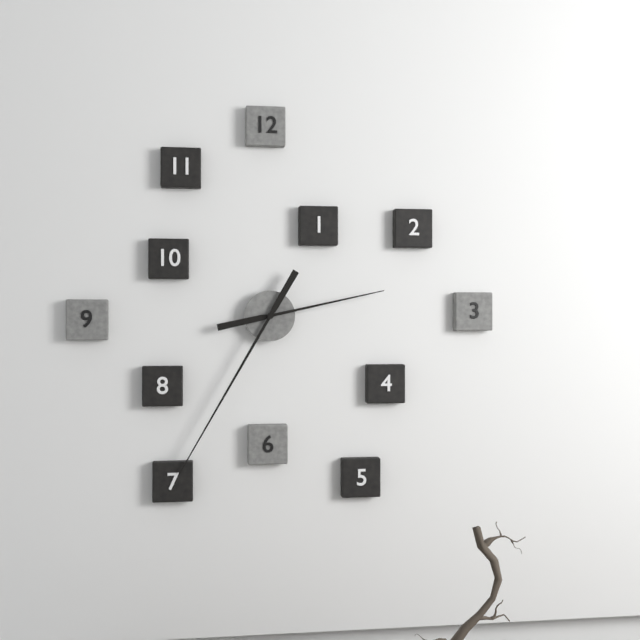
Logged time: 2 h 35 min
